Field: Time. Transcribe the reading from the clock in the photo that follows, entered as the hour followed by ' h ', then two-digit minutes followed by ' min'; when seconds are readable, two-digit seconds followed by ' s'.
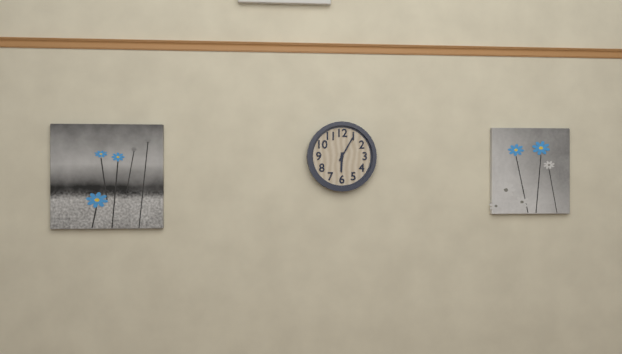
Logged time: 6 h 05 min
